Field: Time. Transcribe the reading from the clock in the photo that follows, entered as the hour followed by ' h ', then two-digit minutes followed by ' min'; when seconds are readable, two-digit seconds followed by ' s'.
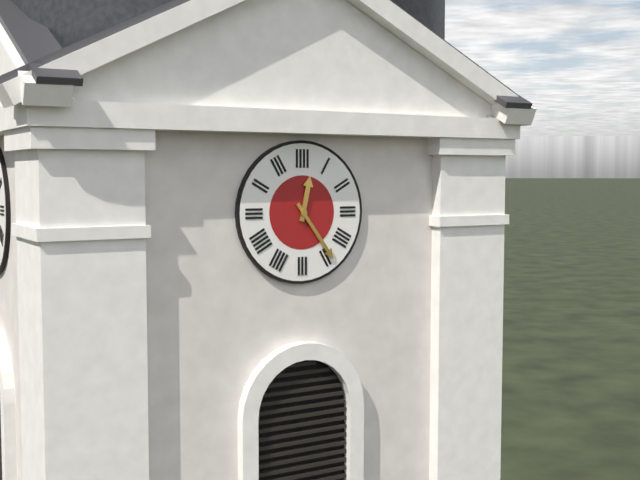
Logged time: 12 h 24 min
